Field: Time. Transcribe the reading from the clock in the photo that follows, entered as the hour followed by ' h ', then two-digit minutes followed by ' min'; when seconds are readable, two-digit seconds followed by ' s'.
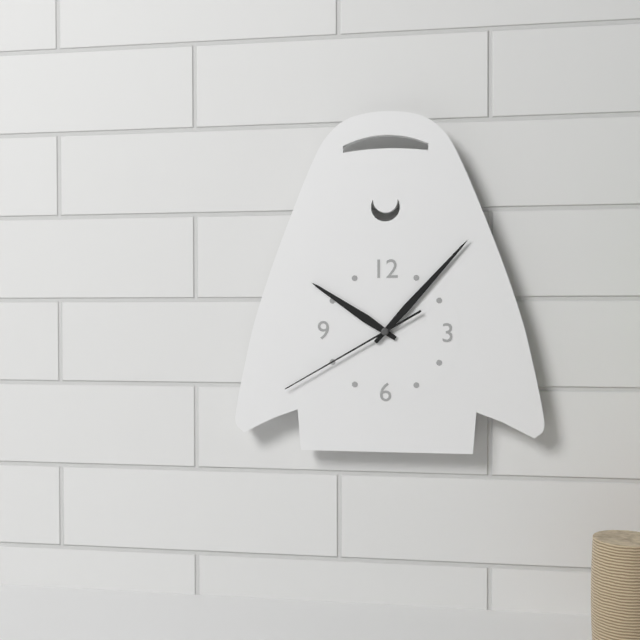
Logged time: 10 h 07 min 40 s
